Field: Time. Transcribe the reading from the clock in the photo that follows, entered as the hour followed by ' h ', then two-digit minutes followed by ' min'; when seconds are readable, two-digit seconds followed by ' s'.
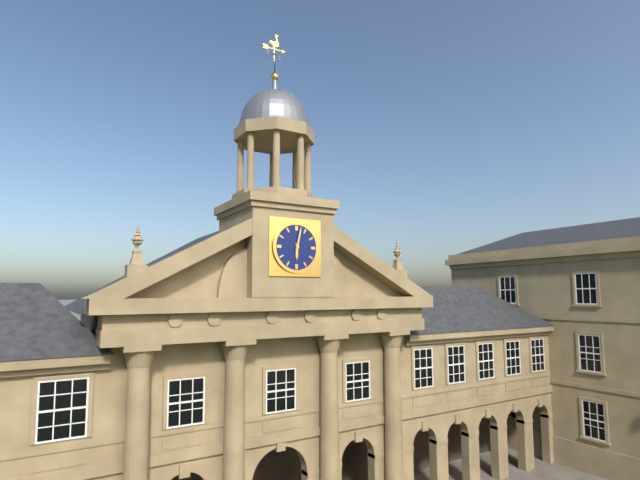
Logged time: 6 h 02 min
